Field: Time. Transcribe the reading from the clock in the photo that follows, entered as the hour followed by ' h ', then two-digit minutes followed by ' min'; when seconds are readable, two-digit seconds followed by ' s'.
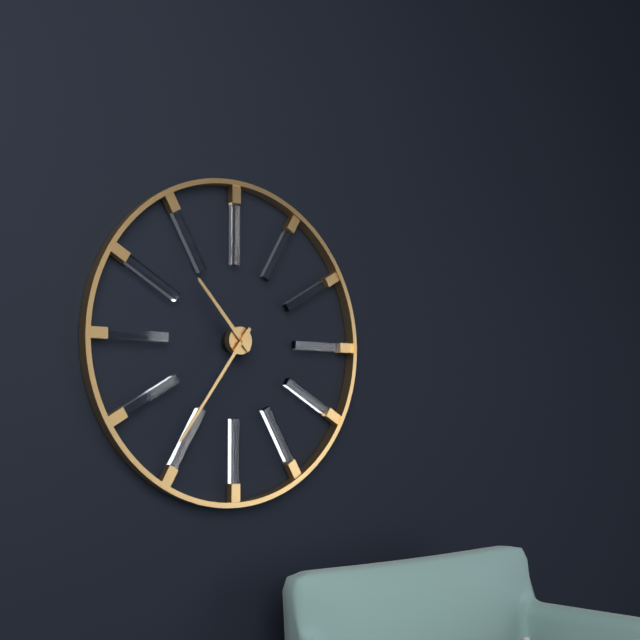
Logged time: 10 h 36 min
